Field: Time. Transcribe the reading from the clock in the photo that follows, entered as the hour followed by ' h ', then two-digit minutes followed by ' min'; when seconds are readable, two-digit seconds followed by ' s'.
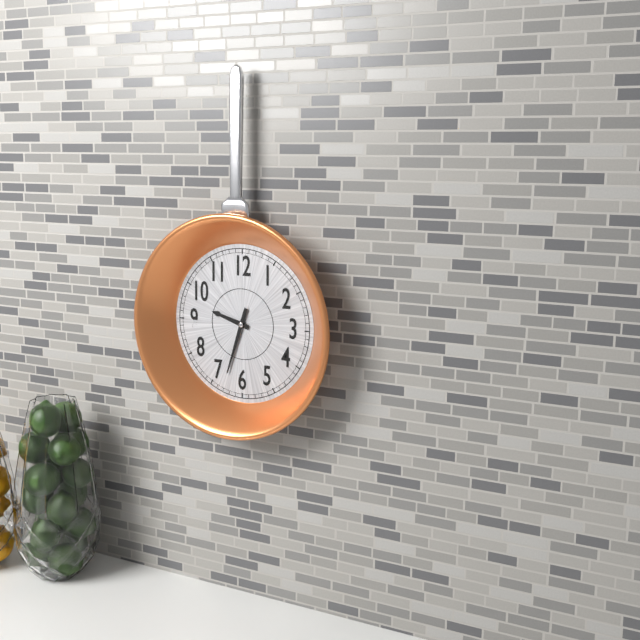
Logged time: 9 h 33 min
